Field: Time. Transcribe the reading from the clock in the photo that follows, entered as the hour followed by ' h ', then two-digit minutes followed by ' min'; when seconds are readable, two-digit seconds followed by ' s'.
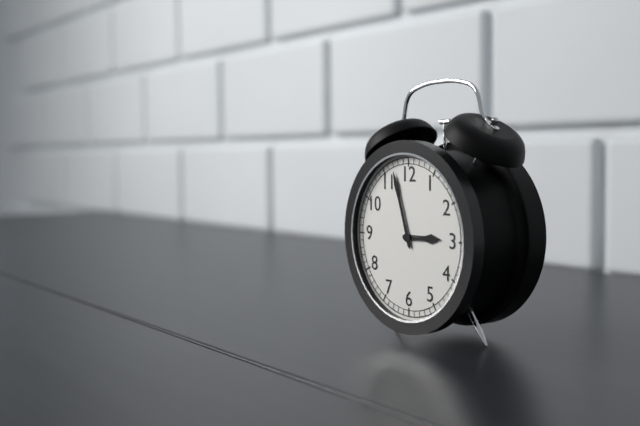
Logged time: 2 h 57 min
